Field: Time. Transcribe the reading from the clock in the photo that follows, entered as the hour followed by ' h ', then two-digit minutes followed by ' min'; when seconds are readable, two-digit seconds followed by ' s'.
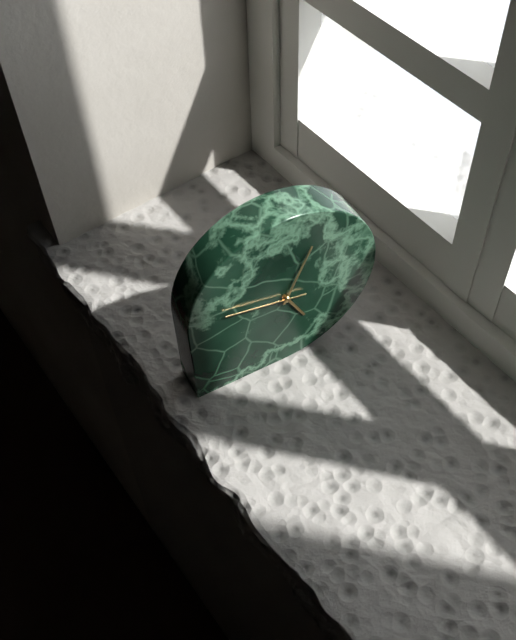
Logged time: 5 h 04 min 47 s
